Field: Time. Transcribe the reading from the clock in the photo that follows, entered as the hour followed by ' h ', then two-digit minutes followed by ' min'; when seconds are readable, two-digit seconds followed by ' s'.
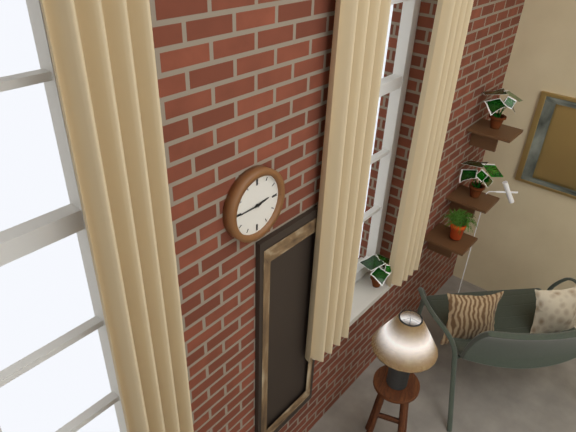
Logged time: 2 h 45 min
